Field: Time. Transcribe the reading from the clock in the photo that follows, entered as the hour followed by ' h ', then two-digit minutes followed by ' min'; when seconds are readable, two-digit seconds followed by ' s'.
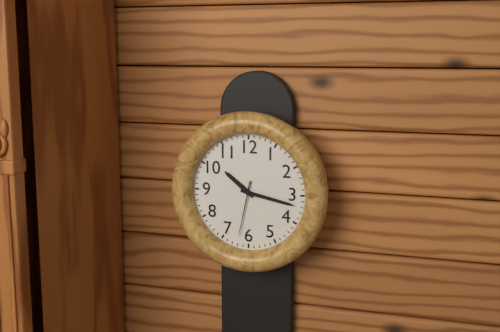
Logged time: 10 h 17 min 32 s
